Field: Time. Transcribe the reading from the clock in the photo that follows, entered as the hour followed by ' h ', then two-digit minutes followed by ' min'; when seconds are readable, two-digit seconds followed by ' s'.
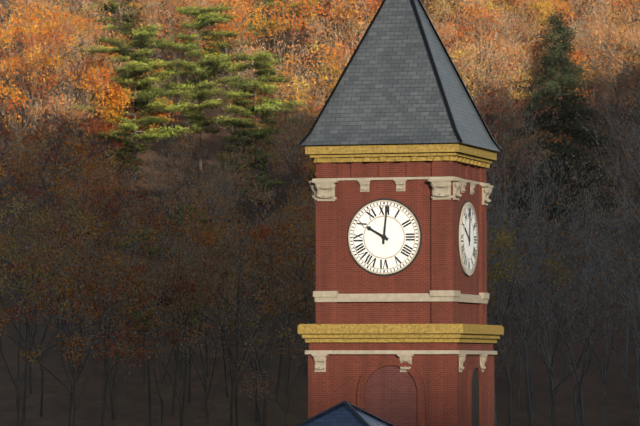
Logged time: 10 h 01 min
